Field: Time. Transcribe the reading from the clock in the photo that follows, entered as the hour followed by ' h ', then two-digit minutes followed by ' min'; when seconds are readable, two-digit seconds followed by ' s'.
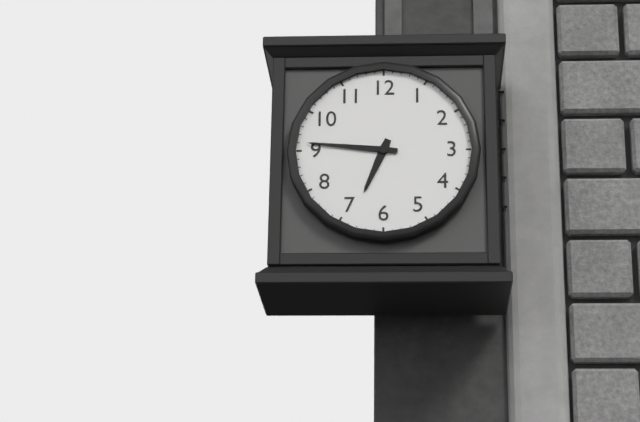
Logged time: 6 h 46 min
